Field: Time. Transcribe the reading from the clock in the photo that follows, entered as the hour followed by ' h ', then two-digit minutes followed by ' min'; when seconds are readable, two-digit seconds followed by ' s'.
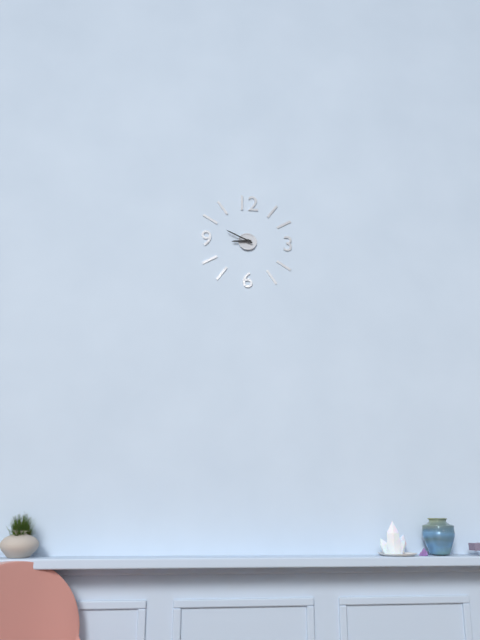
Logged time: 8 h 49 min
